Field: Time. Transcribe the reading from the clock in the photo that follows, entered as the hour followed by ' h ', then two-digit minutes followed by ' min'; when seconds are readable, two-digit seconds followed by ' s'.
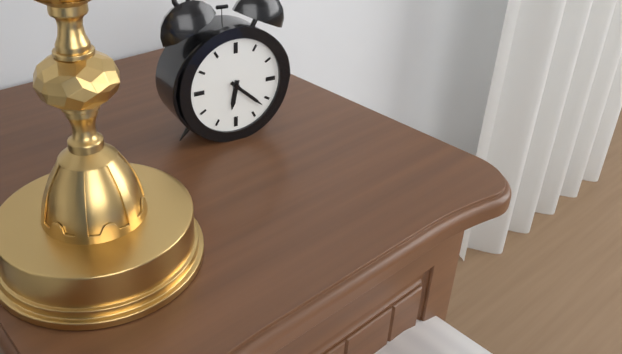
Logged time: 6 h 22 min
